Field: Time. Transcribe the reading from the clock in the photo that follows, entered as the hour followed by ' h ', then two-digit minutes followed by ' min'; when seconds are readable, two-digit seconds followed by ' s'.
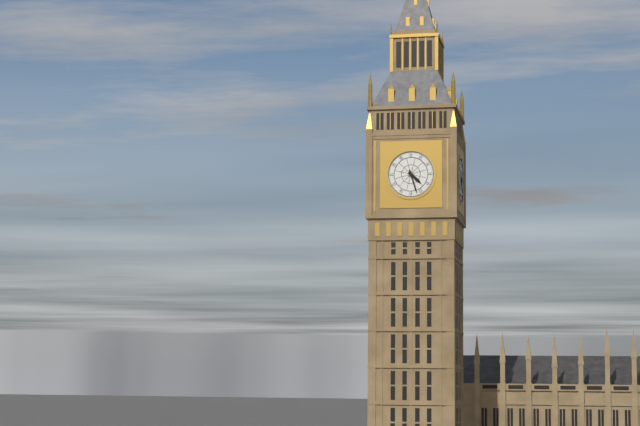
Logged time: 4 h 27 min
